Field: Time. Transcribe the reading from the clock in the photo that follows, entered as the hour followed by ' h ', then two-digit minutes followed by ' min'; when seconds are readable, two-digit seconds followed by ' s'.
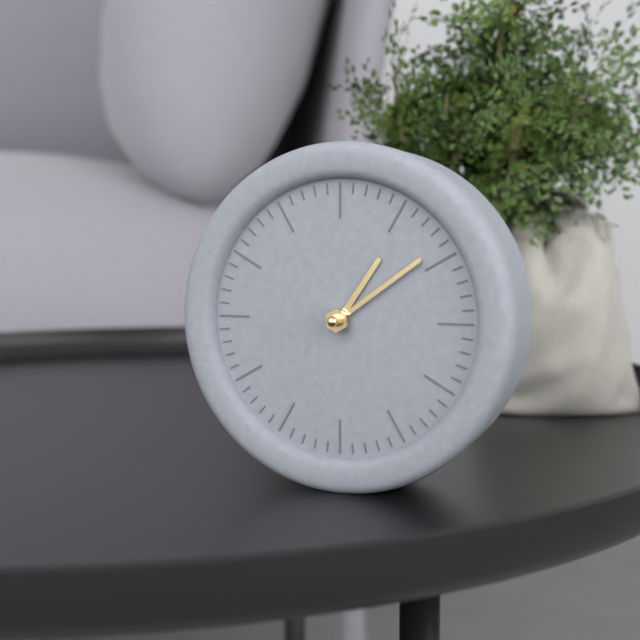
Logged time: 1 h 09 min
